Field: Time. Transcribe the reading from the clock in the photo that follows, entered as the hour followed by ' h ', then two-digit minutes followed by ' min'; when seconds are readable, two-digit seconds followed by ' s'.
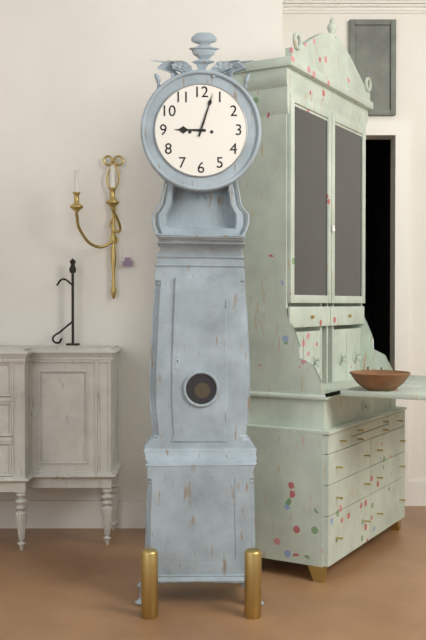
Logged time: 9 h 03 min
